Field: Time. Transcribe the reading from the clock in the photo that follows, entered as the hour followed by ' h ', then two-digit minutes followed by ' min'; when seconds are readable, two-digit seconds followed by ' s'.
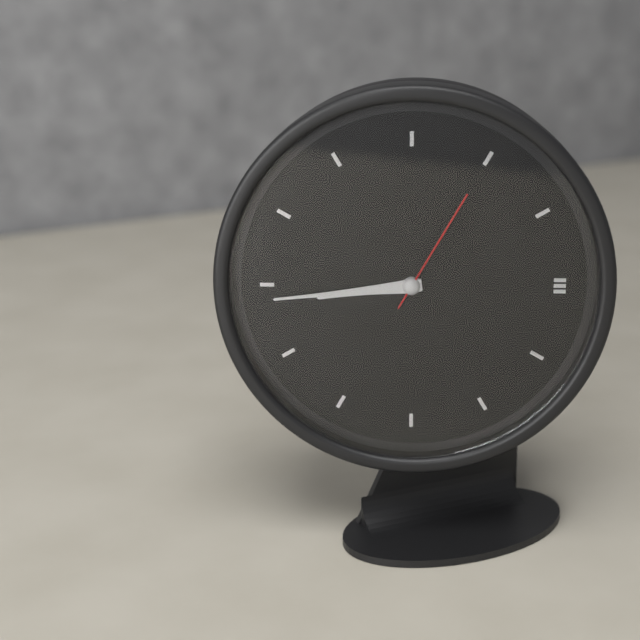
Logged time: 8 h 44 min 05 s
